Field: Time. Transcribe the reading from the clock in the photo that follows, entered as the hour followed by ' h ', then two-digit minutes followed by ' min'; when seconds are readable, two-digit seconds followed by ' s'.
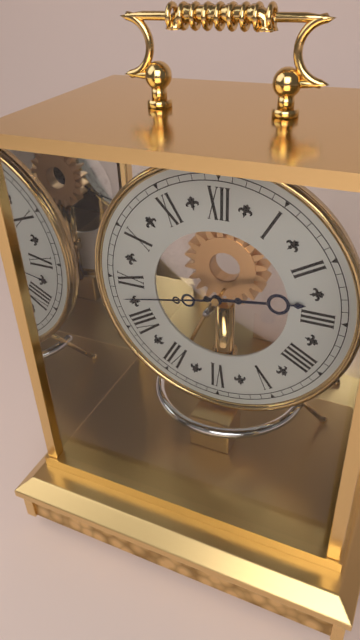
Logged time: 2 h 43 min
